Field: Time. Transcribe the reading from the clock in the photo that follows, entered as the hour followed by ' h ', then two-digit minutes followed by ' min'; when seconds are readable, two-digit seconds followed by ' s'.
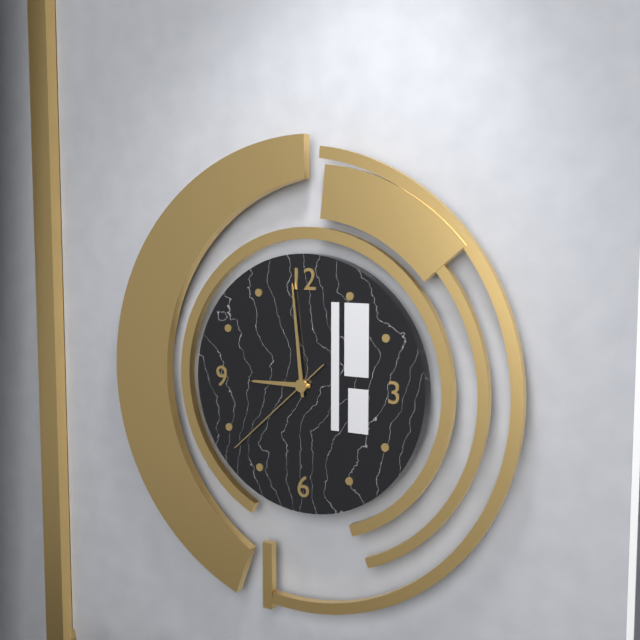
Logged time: 8 h 59 min 38 s
